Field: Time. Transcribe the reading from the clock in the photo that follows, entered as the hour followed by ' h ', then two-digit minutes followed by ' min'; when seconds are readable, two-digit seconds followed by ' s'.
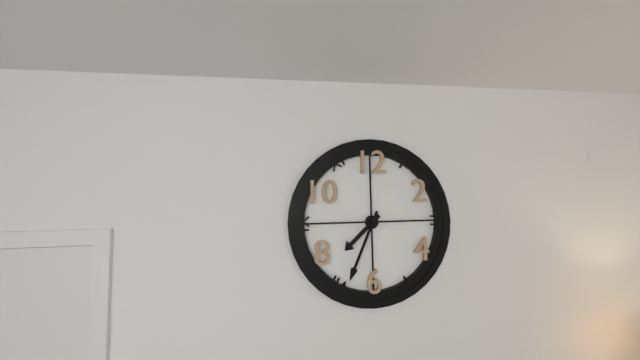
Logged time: 7 h 34 min
